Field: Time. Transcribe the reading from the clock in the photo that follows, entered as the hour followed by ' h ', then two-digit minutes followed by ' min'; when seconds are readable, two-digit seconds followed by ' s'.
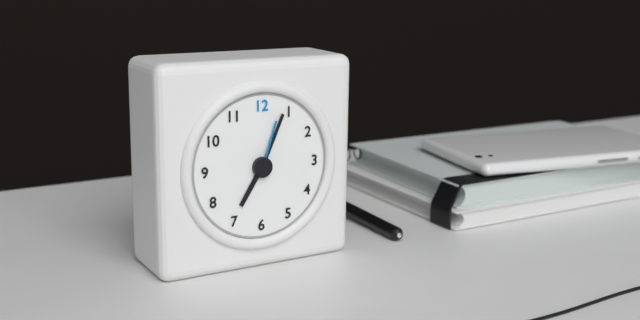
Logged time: 7 h 04 min 03 s
